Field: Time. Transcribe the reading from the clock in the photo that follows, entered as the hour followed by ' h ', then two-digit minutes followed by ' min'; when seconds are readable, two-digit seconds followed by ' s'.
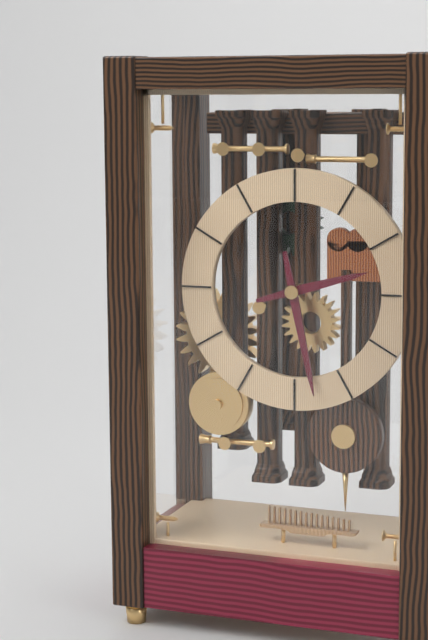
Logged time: 2 h 28 min
